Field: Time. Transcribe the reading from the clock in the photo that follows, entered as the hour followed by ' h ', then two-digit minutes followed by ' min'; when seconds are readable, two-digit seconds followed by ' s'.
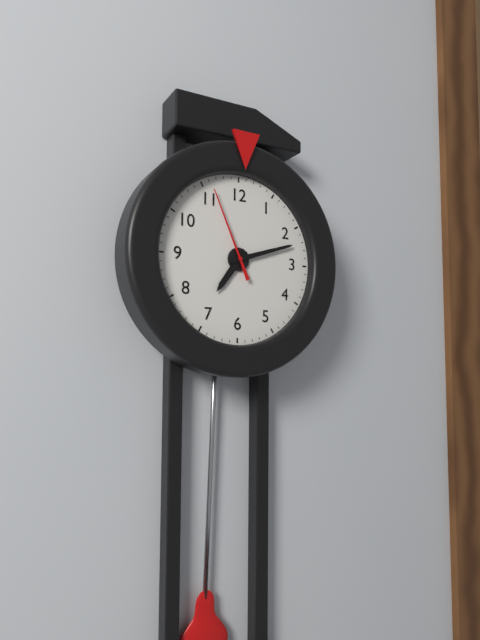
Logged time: 7 h 12 min 56 s
